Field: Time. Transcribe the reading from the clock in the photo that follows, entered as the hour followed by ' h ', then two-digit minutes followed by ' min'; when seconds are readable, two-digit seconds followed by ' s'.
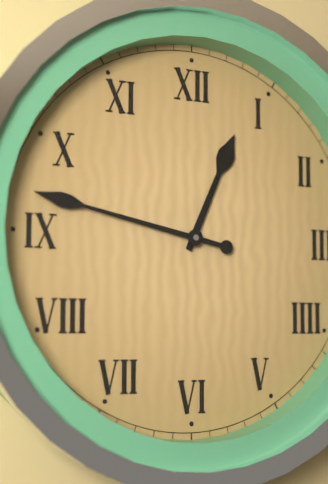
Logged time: 12 h 47 min
